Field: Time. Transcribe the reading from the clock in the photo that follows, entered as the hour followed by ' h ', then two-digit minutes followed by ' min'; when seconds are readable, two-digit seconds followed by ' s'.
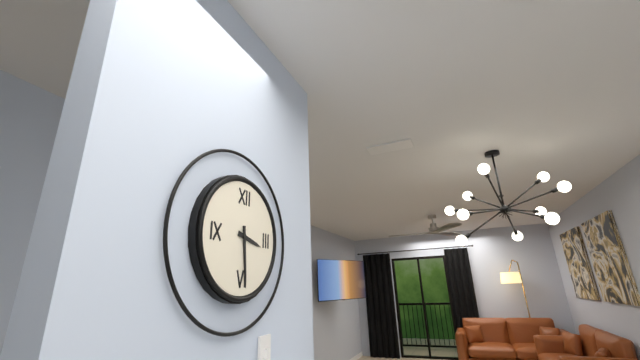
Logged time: 3 h 29 min
